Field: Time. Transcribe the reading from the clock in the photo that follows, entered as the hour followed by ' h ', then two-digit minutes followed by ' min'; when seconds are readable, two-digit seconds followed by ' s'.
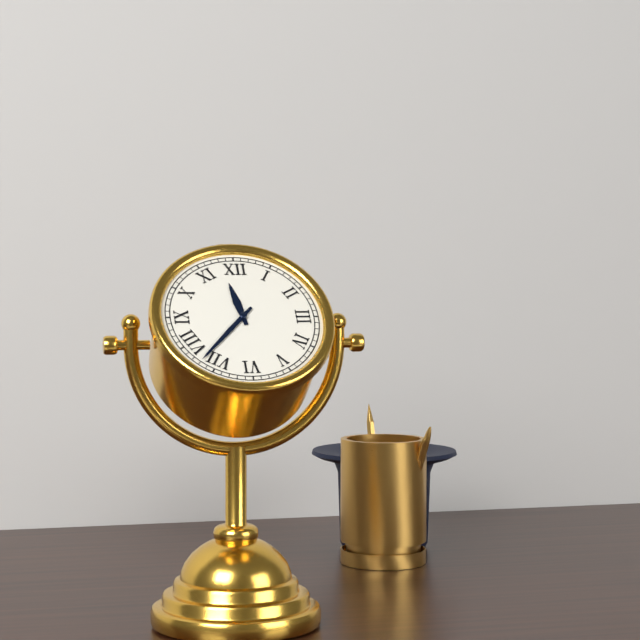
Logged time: 11 h 37 min
